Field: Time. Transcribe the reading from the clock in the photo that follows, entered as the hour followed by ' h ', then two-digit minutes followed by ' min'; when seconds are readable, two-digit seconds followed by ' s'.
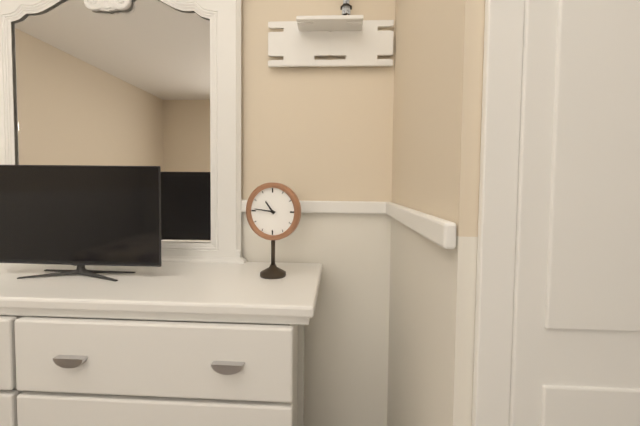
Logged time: 10 h 46 min
